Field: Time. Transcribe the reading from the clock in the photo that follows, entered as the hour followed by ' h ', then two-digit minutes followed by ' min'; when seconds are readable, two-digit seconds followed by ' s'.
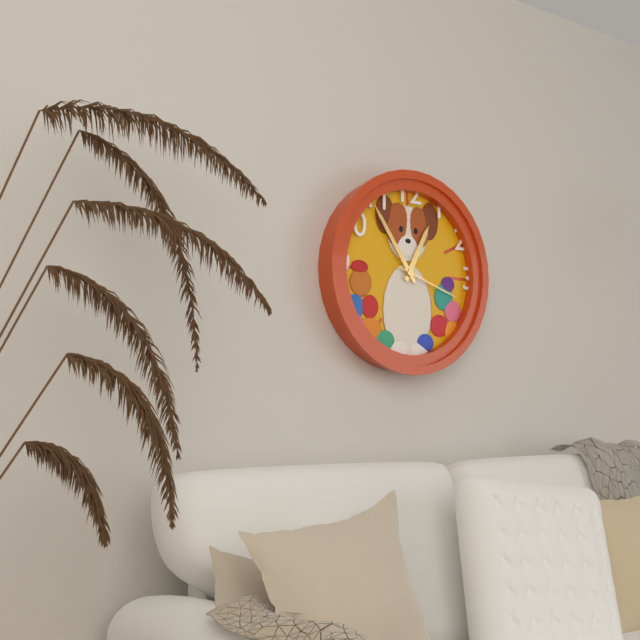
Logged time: 12 h 54 min 18 s
